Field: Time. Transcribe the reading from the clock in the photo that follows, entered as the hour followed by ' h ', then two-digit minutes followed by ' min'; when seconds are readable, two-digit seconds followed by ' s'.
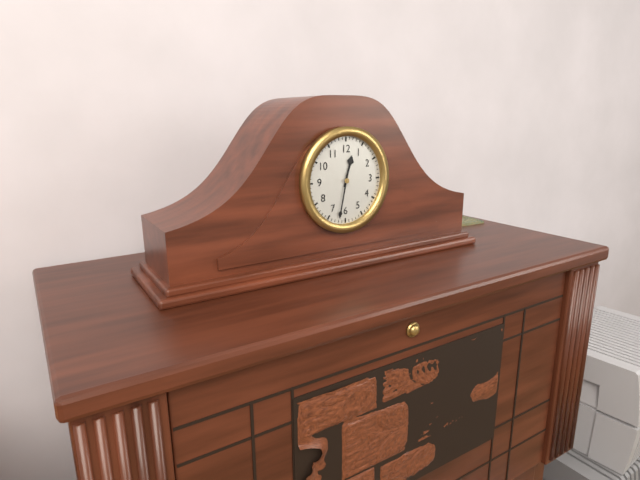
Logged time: 12 h 32 min
